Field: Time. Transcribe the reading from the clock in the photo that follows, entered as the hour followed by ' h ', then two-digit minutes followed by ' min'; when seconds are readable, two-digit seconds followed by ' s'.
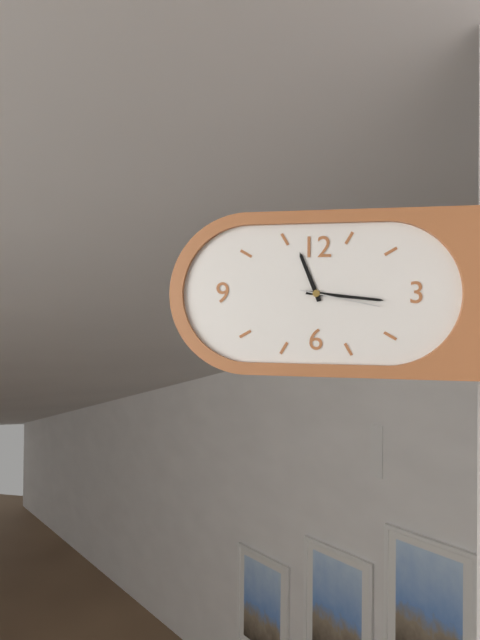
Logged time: 11 h 16 min 17 s
